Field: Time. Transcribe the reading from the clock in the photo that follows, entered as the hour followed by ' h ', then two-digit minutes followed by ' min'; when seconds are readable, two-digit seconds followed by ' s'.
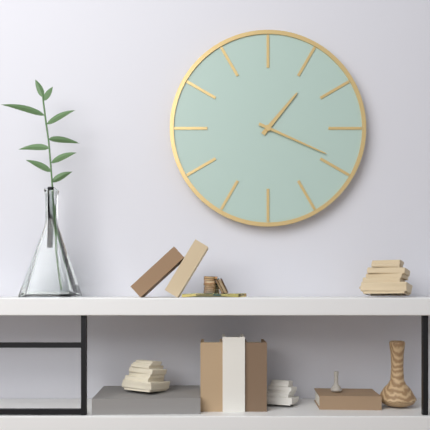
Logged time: 1 h 19 min
